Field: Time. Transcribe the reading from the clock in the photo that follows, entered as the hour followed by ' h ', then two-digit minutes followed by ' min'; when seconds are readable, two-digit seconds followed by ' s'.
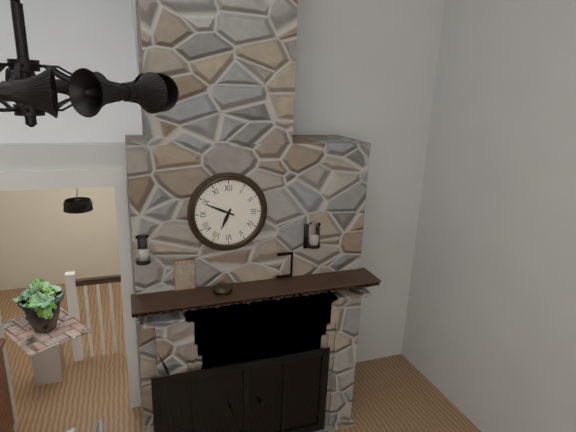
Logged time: 6 h 49 min
